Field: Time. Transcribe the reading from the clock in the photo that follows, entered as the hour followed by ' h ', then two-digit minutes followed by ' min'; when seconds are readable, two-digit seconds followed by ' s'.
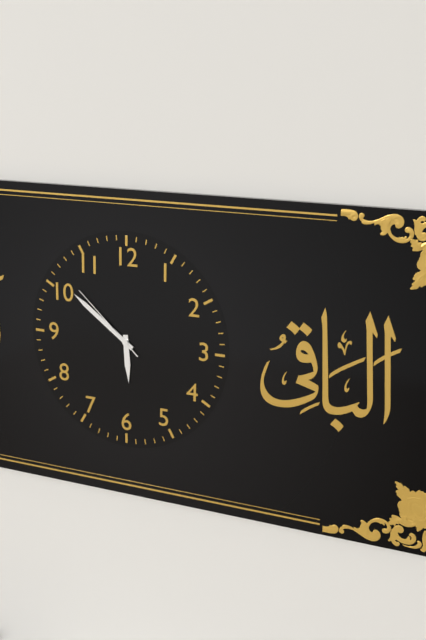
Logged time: 5 h 51 min 52 s
